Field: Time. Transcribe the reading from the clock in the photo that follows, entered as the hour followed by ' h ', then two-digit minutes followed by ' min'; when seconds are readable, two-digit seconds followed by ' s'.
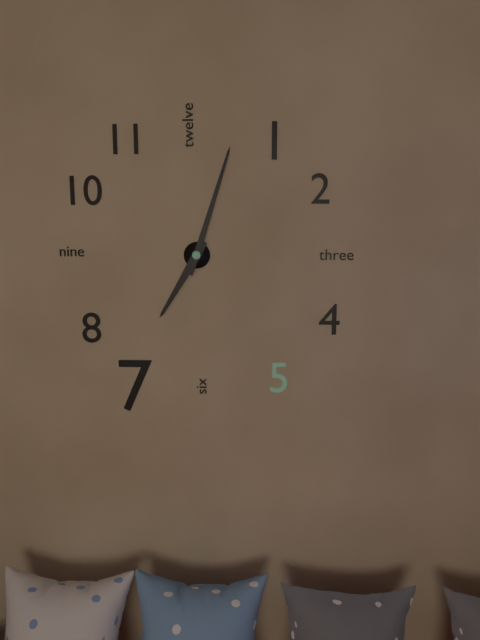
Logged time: 7 h 03 min
